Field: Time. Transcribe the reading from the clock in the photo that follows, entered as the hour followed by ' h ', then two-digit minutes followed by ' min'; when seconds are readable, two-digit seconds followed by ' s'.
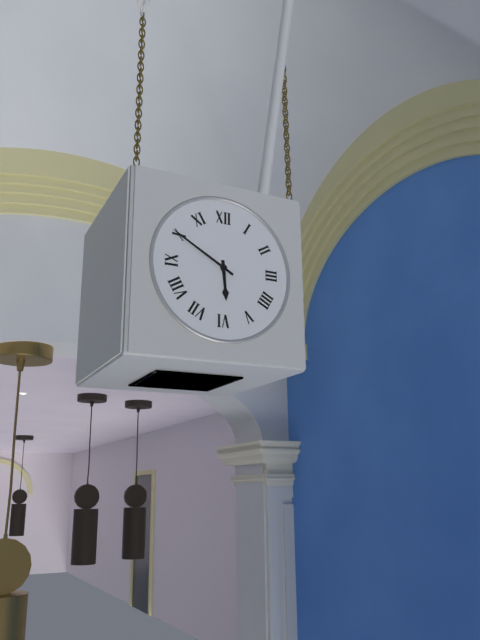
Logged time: 5 h 50 min
